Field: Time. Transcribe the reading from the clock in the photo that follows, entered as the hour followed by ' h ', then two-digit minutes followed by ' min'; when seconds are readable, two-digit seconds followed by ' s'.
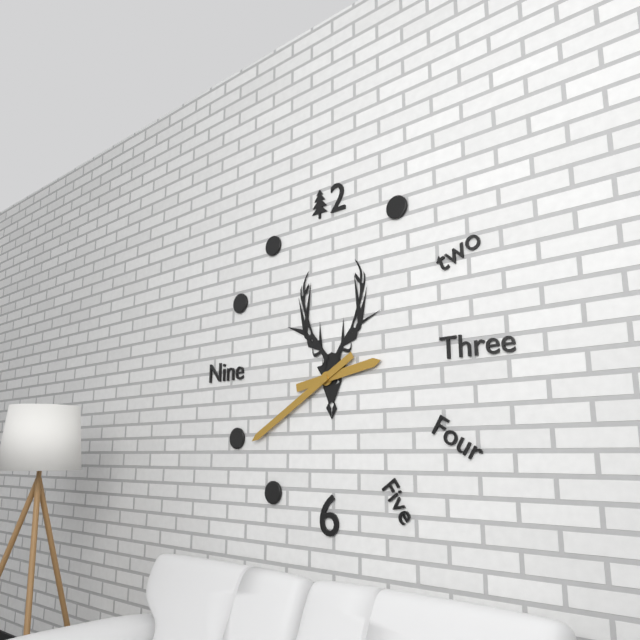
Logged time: 2 h 40 min
